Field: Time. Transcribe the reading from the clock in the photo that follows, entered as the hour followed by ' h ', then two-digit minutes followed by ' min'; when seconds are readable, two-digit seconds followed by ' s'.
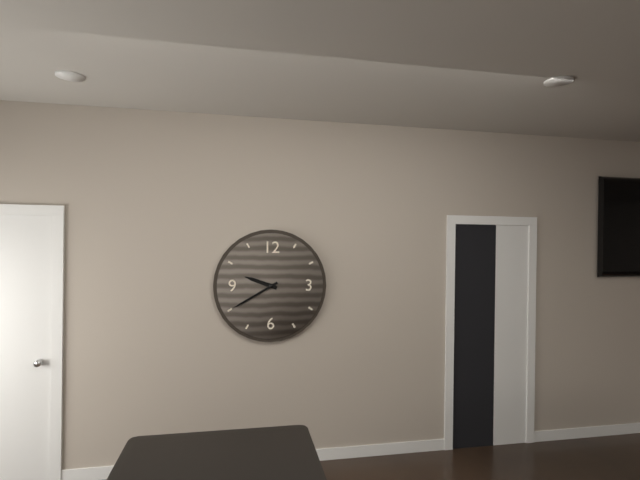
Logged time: 9 h 40 min
